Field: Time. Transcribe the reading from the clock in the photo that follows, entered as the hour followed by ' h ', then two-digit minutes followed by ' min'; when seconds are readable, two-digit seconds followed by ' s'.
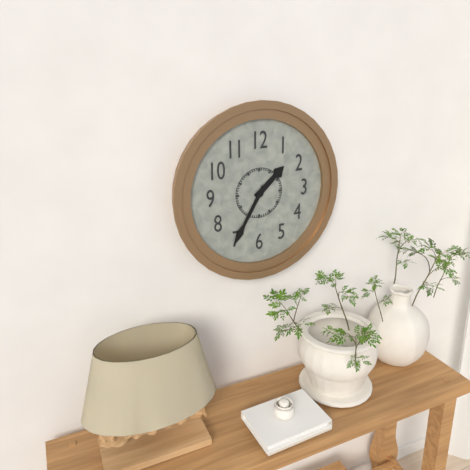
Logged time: 1 h 35 min
